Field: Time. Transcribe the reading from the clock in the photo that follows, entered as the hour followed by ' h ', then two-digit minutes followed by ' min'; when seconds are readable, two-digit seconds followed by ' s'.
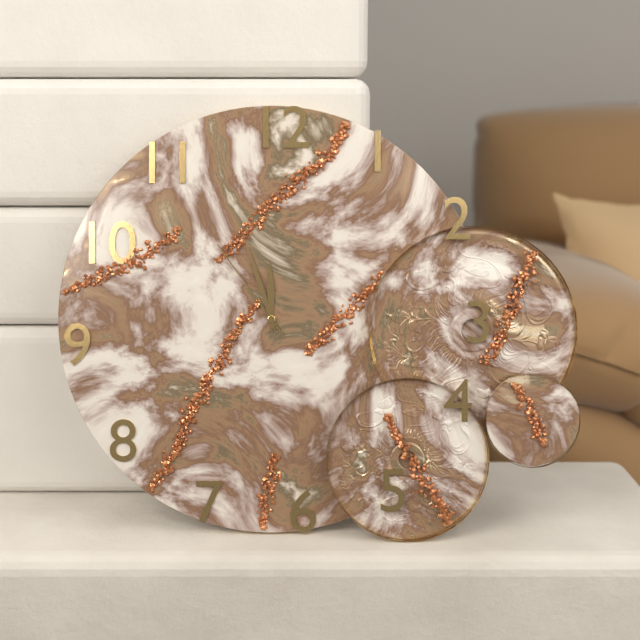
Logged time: 11 h 57 min 54 s
